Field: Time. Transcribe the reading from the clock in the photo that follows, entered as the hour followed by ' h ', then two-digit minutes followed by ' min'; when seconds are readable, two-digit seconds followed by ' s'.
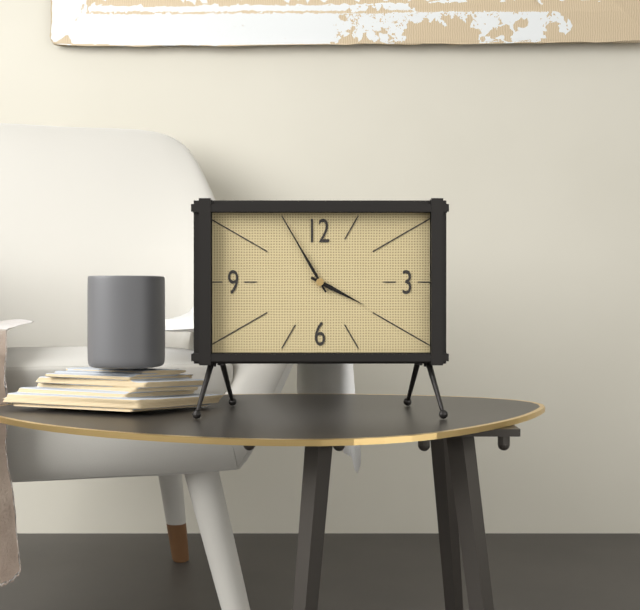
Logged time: 3 h 55 min
